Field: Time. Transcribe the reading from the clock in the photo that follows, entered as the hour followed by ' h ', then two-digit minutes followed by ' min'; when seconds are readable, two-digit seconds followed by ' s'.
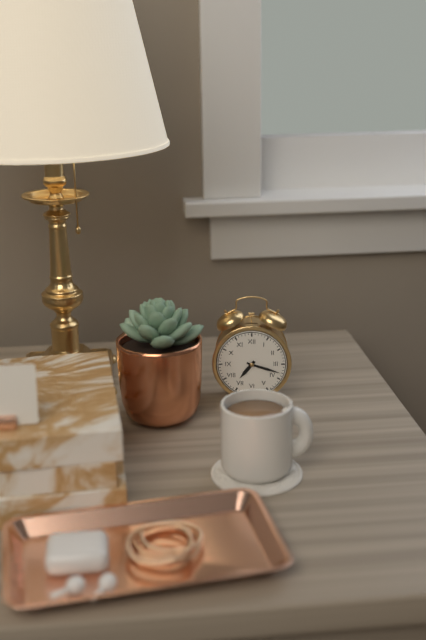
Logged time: 7 h 18 min
